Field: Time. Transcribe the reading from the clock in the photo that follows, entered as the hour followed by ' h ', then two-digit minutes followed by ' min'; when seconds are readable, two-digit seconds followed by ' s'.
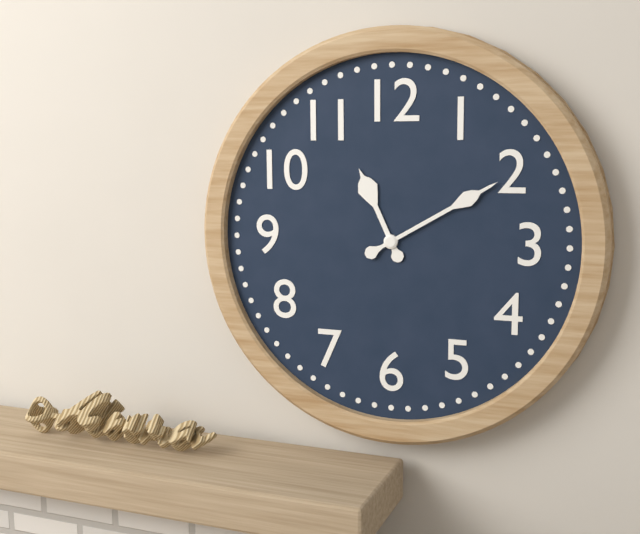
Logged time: 11 h 10 min
